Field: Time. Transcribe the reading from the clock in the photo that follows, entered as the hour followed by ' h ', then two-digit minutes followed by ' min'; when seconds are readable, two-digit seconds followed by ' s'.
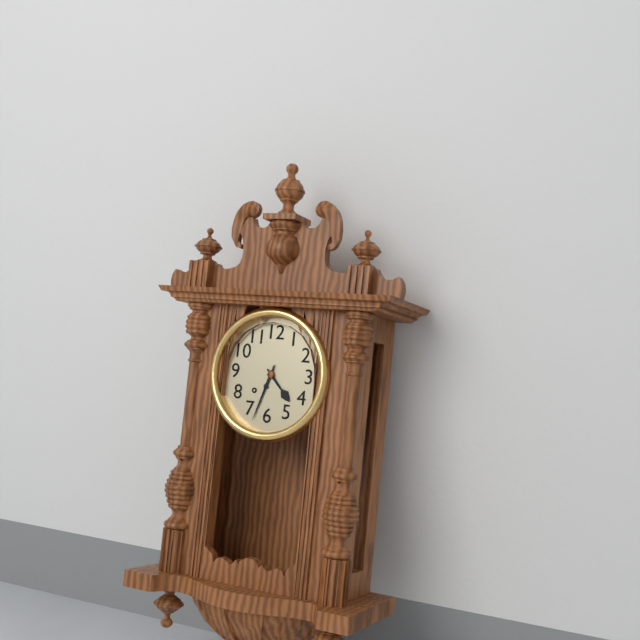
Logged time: 4 h 33 min
